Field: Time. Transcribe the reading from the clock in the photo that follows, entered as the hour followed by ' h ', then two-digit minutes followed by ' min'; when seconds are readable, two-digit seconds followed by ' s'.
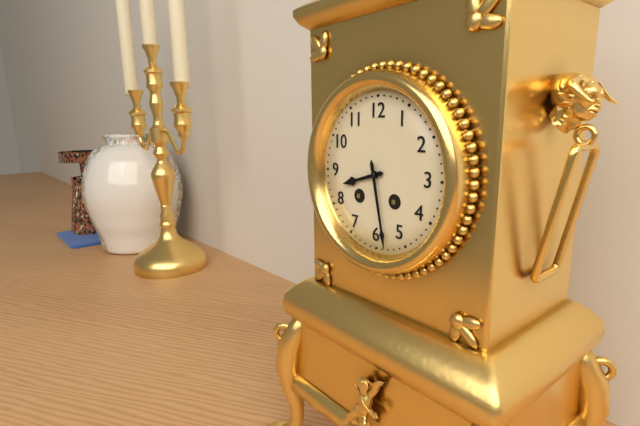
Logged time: 8 h 28 min
